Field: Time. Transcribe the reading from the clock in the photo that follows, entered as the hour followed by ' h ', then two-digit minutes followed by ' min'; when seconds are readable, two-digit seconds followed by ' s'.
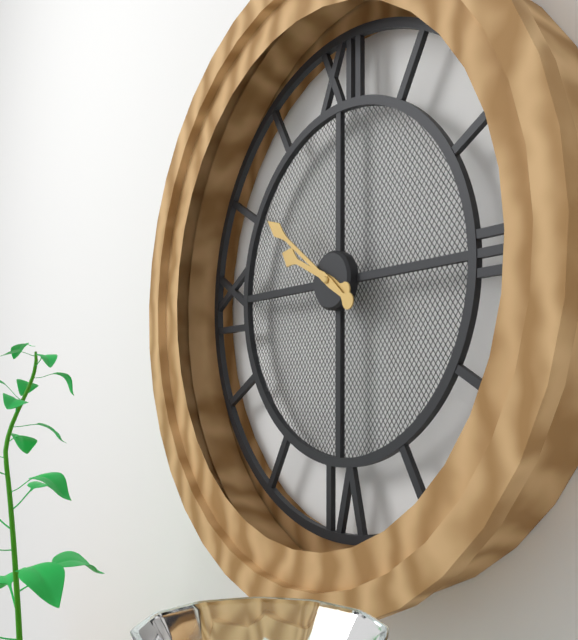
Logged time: 9 h 51 min
